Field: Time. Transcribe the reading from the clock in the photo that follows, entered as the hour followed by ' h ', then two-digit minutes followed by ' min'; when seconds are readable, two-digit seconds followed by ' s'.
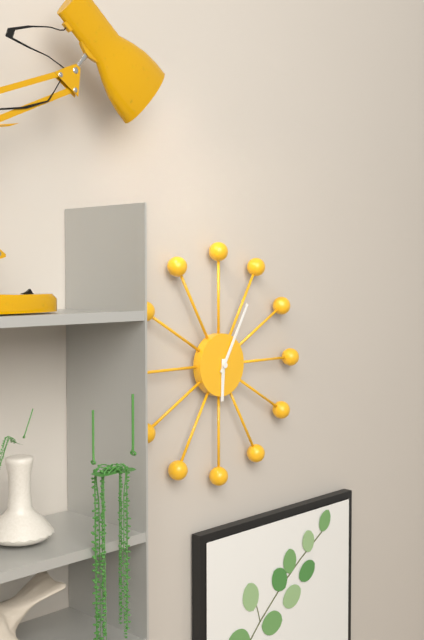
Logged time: 6 h 05 min
